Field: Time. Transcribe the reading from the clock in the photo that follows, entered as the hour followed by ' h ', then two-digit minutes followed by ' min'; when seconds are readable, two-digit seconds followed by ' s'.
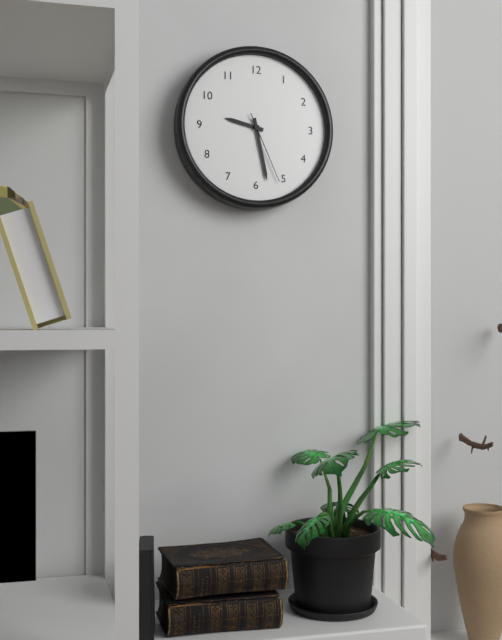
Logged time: 9 h 28 min 26 s
